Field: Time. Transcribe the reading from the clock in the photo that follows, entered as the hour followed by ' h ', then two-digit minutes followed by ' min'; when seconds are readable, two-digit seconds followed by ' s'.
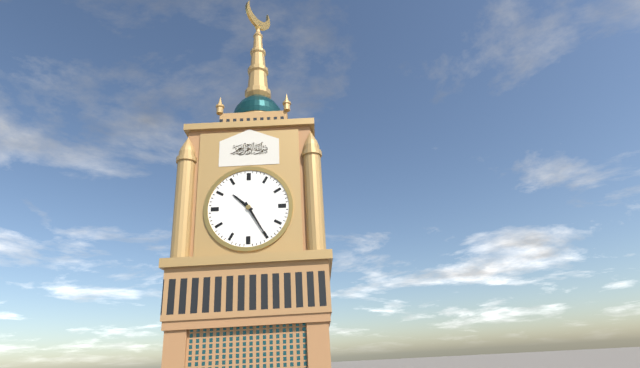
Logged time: 10 h 25 min
